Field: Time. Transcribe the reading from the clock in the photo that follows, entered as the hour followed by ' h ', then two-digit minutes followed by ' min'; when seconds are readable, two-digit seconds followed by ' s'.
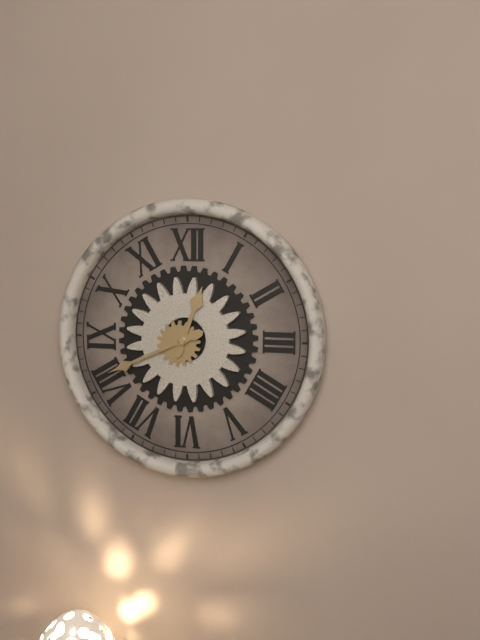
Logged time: 12 h 41 min
